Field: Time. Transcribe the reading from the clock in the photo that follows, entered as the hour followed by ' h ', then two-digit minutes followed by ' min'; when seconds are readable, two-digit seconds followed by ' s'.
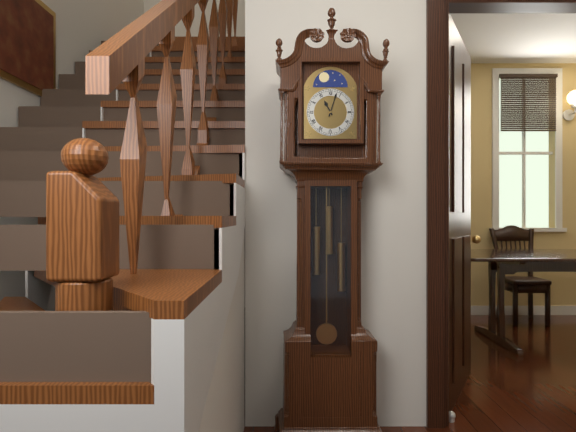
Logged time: 11 h 03 min
